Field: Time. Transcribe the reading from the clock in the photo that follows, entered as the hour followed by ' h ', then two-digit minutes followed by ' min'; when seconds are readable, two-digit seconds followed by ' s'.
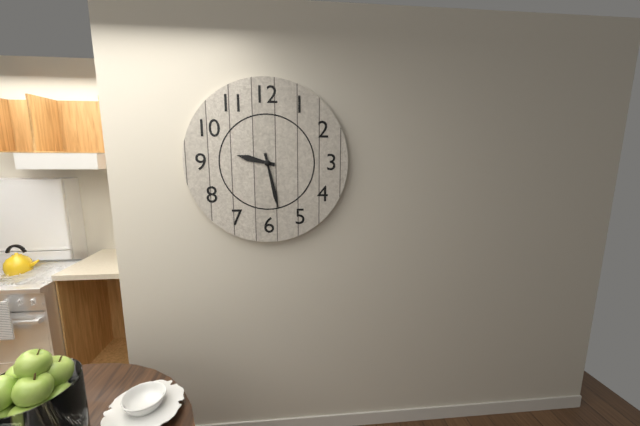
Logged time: 9 h 28 min
